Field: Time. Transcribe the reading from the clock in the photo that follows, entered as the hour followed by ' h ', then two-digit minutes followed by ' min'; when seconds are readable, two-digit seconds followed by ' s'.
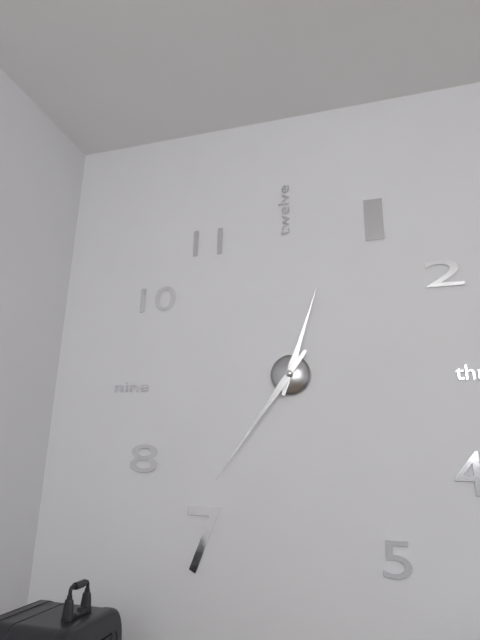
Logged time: 12 h 36 min
